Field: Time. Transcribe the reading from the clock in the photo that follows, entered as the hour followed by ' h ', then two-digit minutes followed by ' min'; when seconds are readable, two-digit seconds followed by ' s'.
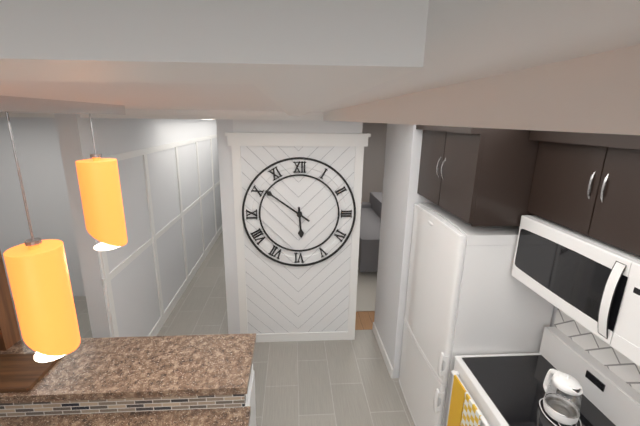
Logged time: 5 h 51 min
